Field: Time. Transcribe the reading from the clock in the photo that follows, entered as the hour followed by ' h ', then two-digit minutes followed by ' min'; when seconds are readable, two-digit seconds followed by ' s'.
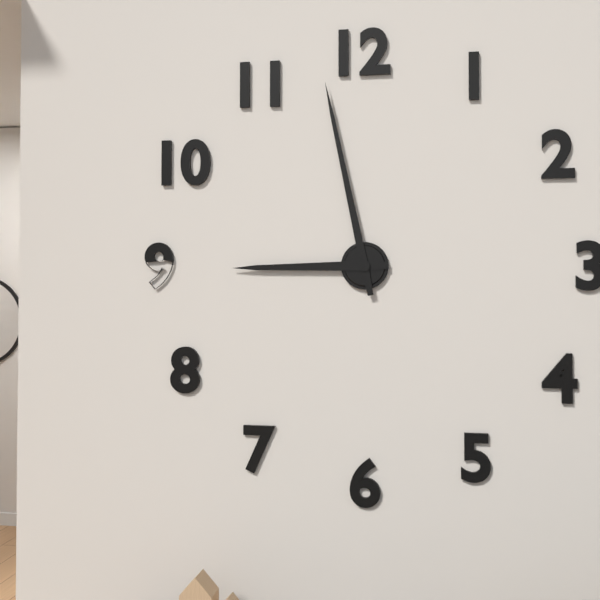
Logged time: 8 h 58 min
